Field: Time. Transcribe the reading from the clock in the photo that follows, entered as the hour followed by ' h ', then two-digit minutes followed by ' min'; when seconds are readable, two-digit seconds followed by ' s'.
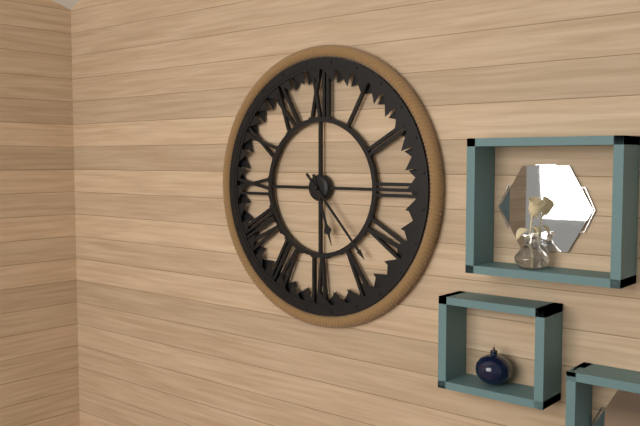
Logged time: 5 h 23 min
